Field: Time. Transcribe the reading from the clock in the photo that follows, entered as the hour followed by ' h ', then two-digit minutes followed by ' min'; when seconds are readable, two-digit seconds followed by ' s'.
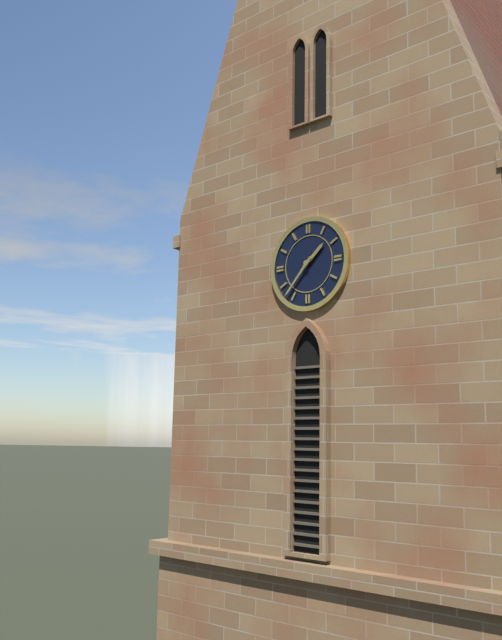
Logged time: 1 h 37 min
